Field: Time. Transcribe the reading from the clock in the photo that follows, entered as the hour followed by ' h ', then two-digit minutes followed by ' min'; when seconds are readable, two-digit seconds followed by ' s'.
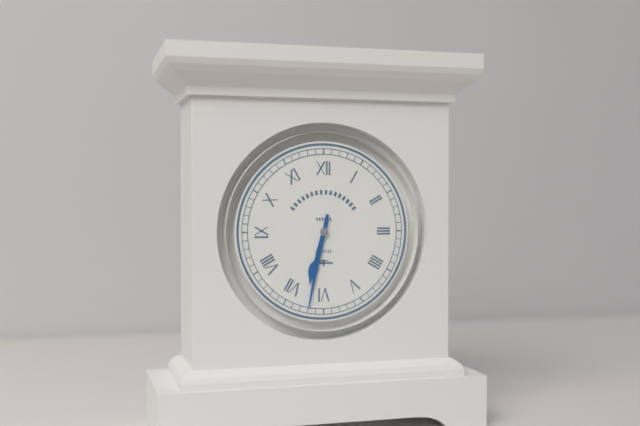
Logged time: 6 h 32 min
